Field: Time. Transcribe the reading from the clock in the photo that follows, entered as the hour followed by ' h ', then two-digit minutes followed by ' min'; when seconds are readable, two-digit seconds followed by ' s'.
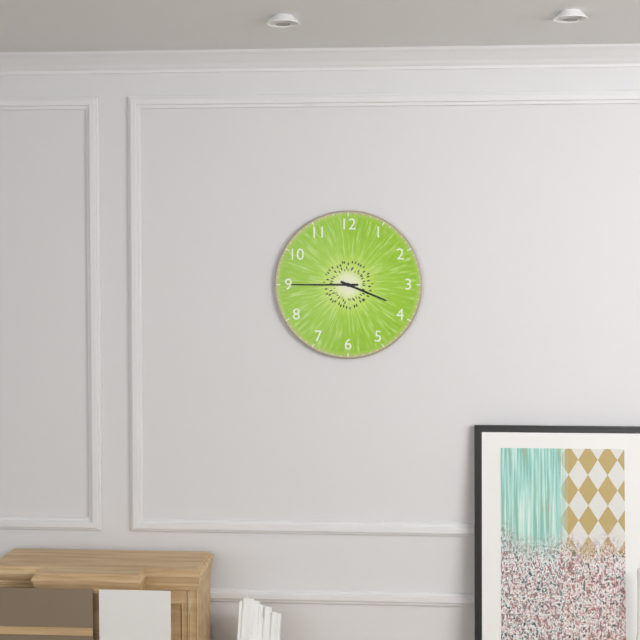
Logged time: 3 h 45 min
